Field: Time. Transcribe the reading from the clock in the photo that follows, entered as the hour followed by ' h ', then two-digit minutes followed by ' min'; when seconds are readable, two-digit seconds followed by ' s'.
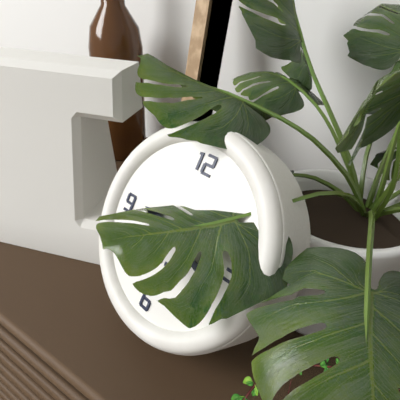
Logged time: 9 h 18 min
